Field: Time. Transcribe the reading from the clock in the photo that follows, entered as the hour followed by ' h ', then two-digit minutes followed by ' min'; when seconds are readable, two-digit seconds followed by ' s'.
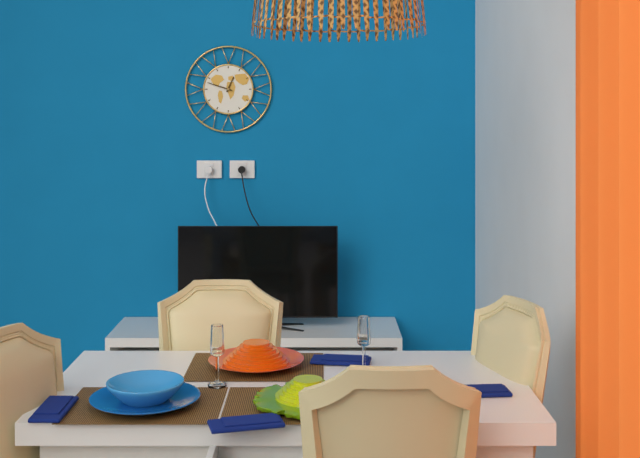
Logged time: 12 h 48 min
